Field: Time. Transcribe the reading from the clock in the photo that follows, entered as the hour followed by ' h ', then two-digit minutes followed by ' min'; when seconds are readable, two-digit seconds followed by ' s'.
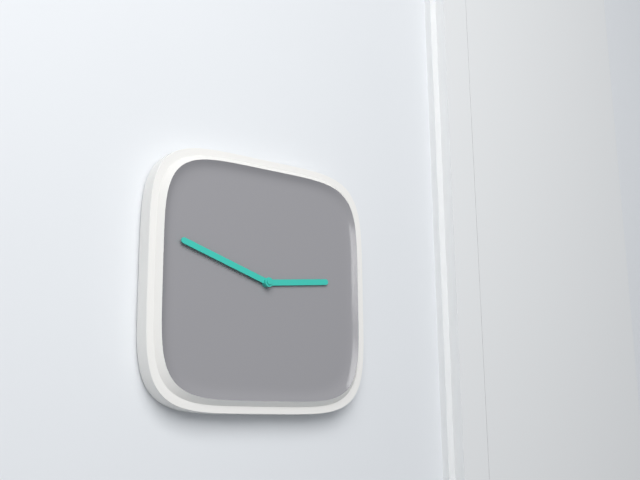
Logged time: 2 h 48 min
